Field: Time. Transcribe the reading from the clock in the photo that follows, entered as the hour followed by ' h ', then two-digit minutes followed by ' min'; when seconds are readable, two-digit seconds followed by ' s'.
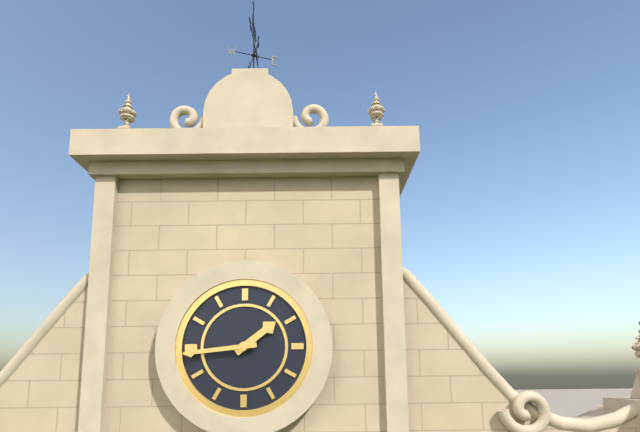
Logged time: 1 h 44 min
